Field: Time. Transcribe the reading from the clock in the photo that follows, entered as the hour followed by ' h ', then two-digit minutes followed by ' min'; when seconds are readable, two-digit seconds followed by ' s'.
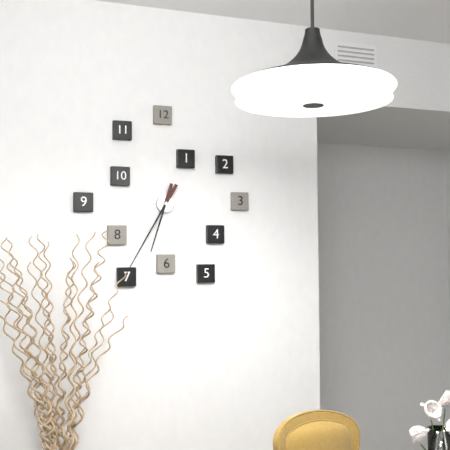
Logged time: 6 h 35 min
